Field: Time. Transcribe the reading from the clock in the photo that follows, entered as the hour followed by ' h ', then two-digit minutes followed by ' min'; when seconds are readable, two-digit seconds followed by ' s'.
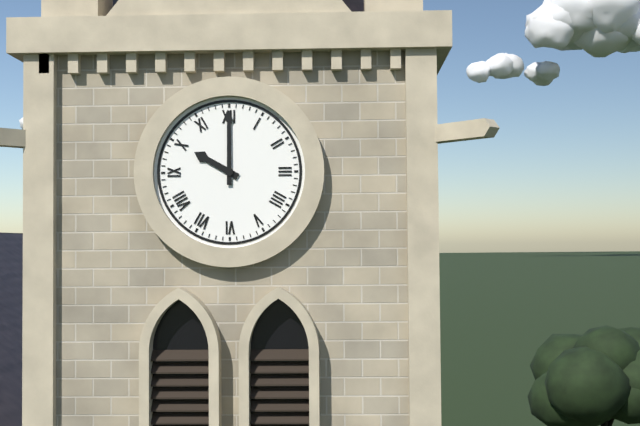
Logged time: 10 h 00 min
